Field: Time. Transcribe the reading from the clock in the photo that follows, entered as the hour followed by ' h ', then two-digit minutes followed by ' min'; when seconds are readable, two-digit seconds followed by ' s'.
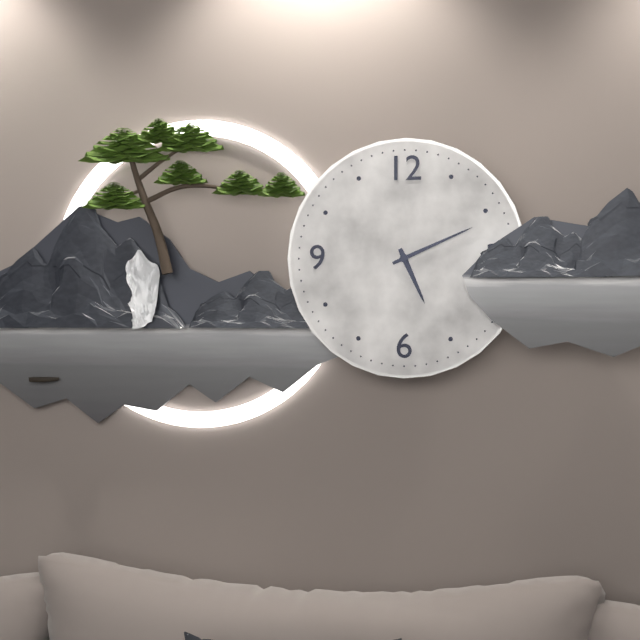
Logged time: 5 h 11 min
